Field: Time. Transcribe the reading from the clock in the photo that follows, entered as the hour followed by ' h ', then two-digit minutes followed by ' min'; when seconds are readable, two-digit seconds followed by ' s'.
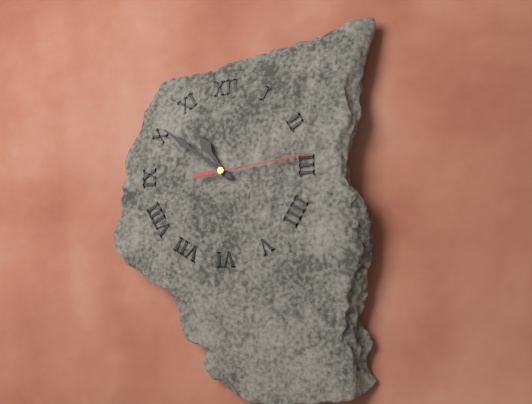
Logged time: 10 h 51 min 14 s
